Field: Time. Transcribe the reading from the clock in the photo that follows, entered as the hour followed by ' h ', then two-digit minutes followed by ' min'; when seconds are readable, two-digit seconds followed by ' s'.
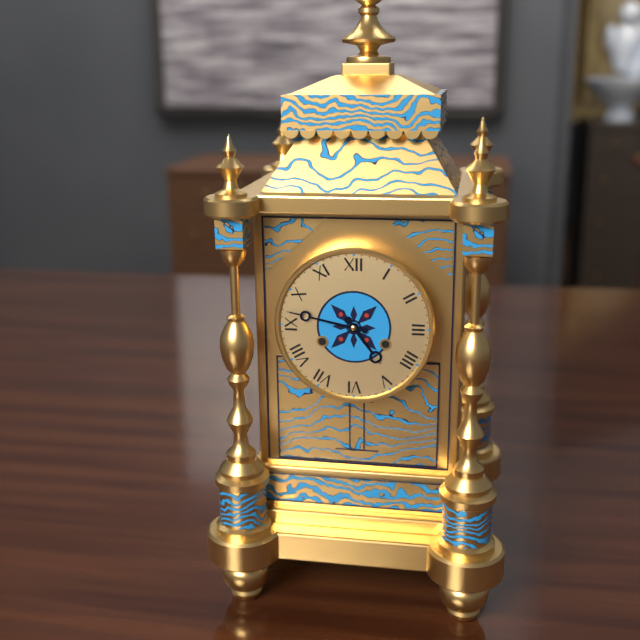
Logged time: 4 h 47 min
